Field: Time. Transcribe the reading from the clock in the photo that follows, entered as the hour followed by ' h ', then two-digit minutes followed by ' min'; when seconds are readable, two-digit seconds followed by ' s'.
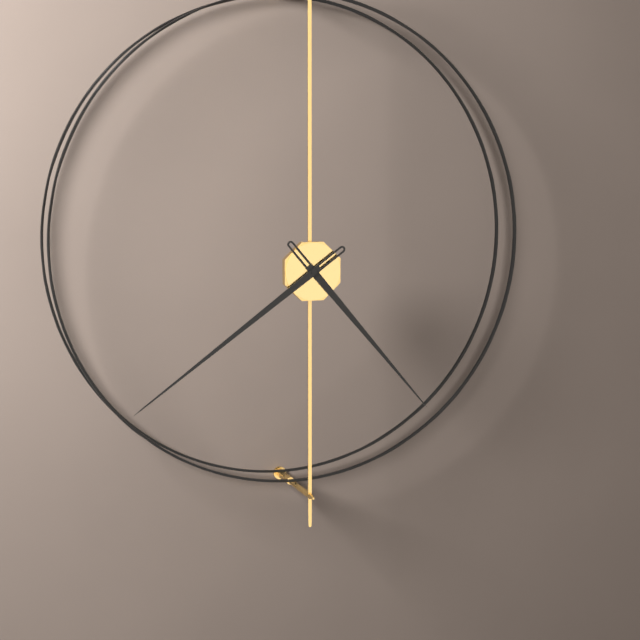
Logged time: 4 h 39 min
